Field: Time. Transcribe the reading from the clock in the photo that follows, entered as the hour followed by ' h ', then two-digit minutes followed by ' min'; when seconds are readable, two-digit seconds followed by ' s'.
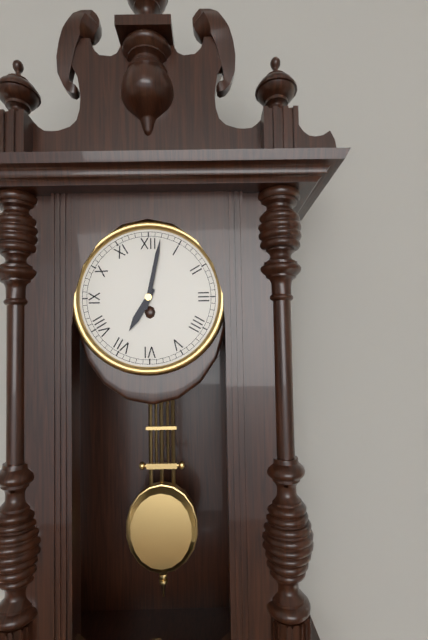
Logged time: 7 h 02 min
